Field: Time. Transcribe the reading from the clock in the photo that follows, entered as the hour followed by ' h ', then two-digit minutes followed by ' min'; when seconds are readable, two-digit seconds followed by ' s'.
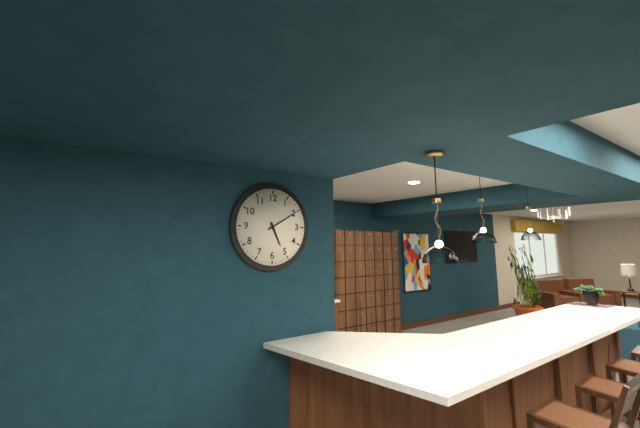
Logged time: 5 h 10 min
